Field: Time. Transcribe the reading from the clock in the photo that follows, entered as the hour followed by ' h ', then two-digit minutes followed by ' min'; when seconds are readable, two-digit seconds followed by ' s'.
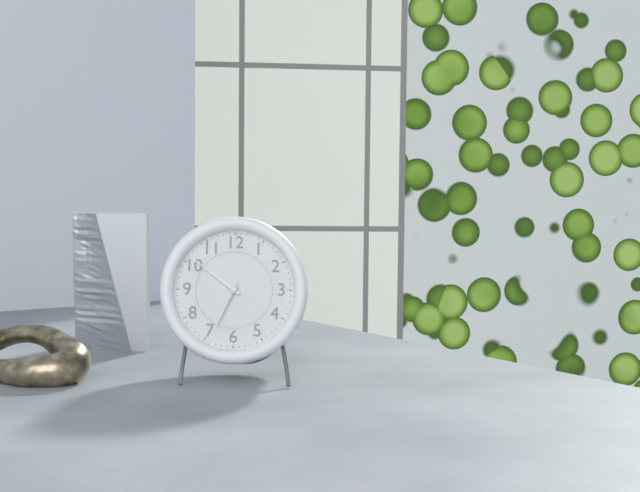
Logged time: 6 h 51 min 34 s
